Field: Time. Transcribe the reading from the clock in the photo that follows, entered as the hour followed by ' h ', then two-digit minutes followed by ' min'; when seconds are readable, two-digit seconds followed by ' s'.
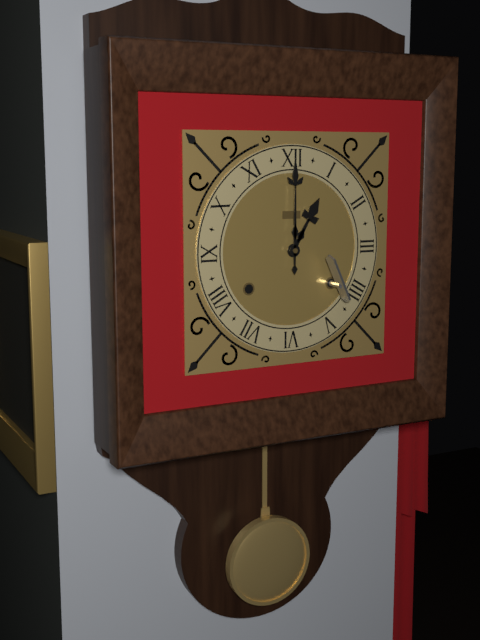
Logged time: 1 h 00 min
